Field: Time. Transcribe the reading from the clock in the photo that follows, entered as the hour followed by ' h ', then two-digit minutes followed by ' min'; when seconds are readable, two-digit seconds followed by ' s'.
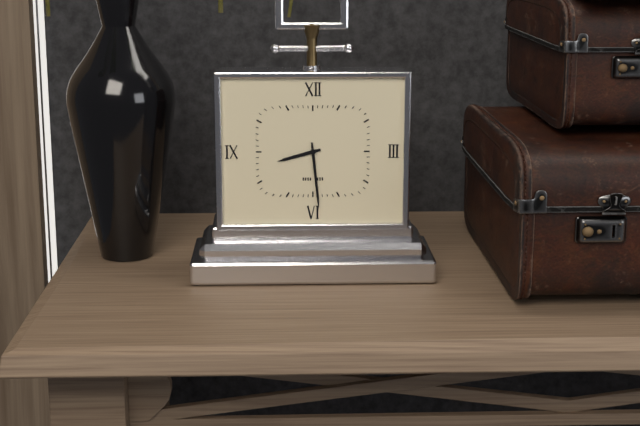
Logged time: 8 h 29 min
